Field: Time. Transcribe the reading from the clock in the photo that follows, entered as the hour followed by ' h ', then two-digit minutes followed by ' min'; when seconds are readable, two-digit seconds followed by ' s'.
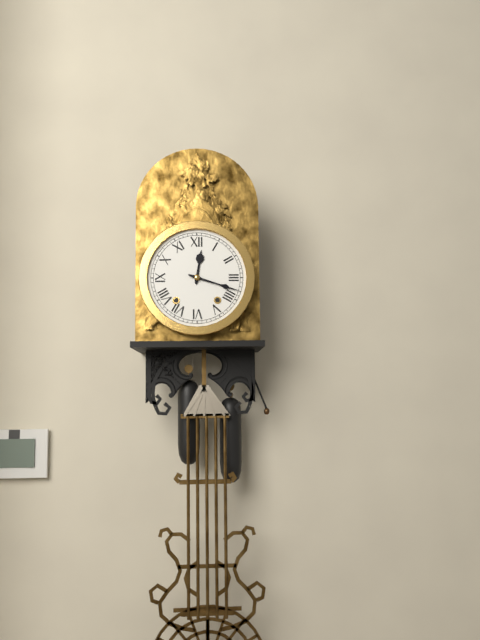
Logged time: 12 h 18 min
